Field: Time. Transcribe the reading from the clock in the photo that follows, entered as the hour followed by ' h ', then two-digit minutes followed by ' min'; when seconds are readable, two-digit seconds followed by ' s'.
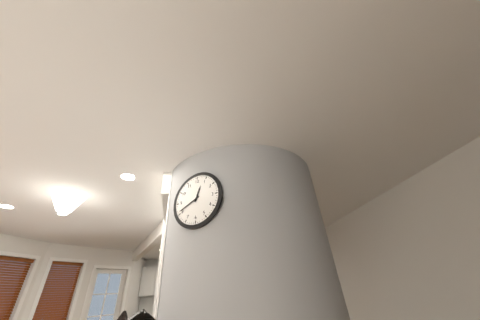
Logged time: 12 h 41 min
